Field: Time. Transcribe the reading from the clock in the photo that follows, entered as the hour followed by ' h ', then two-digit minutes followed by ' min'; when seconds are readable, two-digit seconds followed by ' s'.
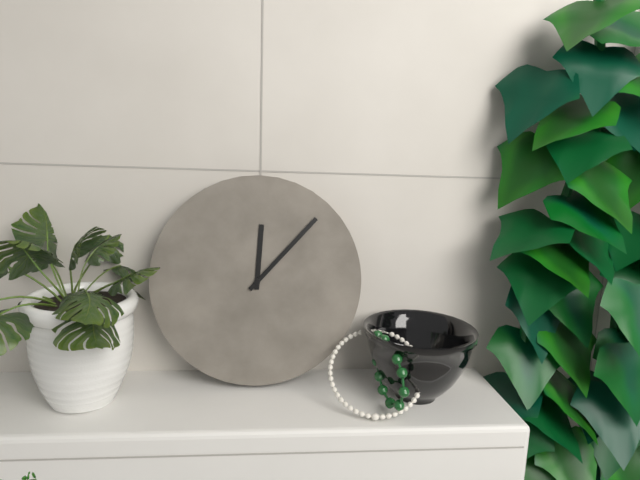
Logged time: 12 h 07 min
